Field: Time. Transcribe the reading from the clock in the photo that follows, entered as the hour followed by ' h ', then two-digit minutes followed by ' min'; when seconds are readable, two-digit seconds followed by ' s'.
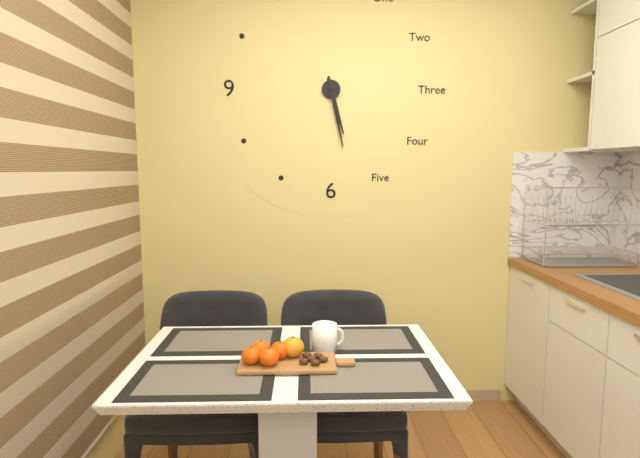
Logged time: 5 h 28 min
